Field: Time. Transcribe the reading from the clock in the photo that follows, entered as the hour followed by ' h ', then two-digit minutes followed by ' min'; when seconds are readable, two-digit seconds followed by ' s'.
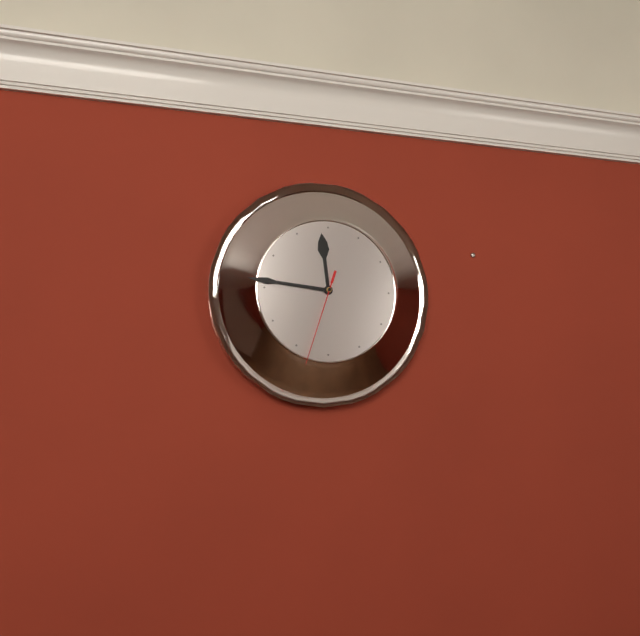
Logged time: 11 h 46 min 33 s
